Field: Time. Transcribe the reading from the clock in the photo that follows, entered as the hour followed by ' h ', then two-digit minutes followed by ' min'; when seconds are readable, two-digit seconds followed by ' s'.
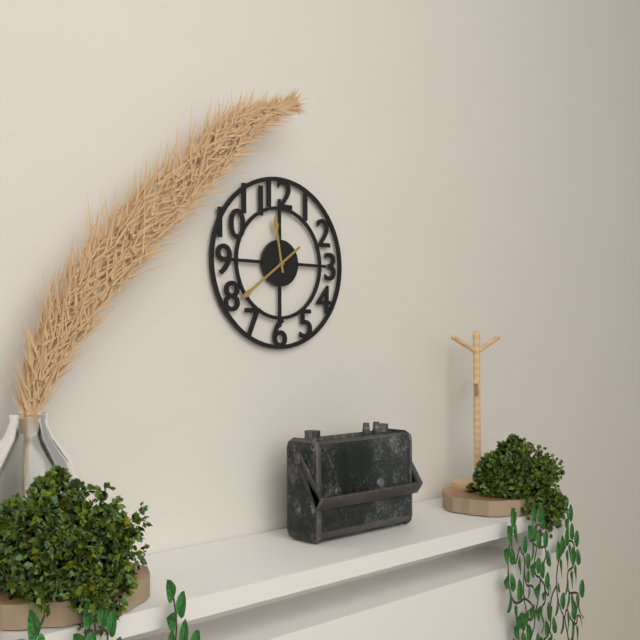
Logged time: 11 h 39 min
